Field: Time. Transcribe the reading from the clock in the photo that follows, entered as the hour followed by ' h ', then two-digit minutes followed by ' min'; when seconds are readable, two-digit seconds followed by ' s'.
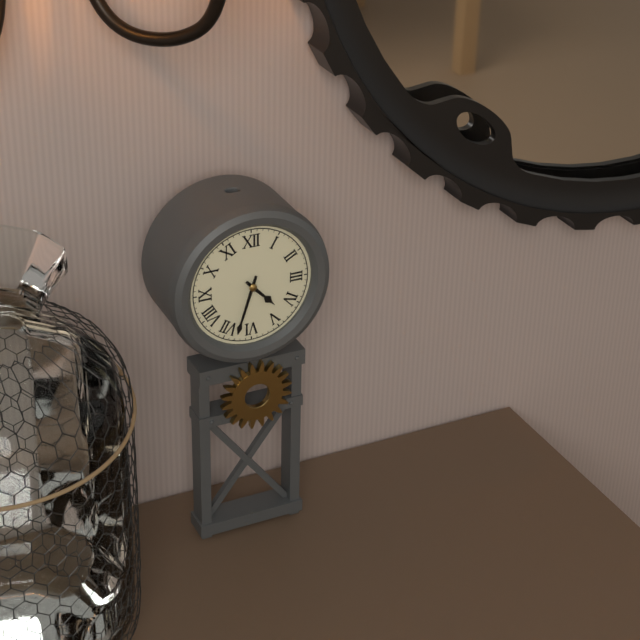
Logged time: 4 h 33 min
